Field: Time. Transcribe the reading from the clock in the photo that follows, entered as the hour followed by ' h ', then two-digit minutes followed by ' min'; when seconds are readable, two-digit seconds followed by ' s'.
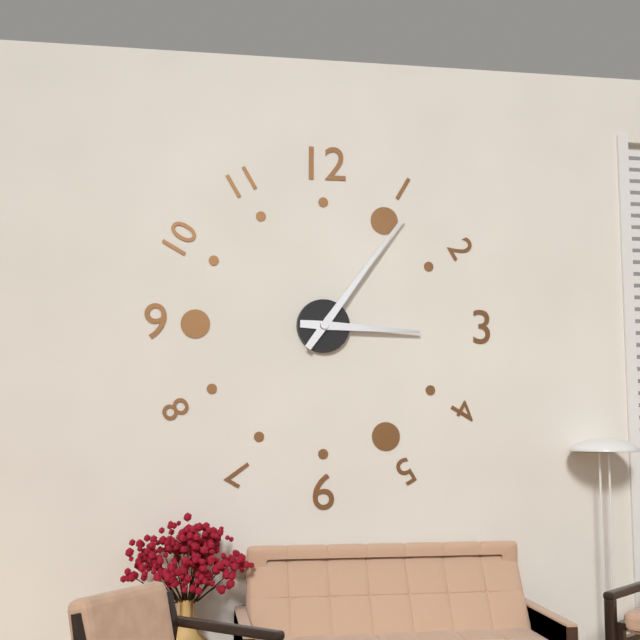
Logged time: 3 h 06 min
